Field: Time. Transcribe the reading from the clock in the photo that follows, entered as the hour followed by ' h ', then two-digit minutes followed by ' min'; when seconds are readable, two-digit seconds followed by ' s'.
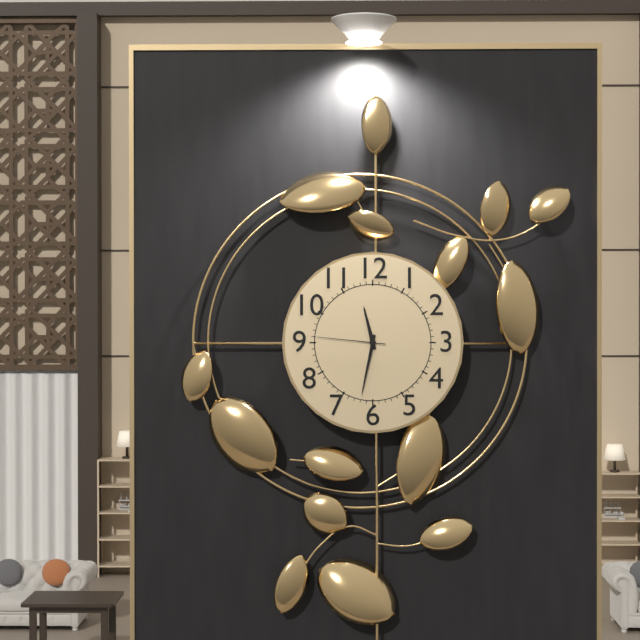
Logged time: 11 h 32 min 46 s
